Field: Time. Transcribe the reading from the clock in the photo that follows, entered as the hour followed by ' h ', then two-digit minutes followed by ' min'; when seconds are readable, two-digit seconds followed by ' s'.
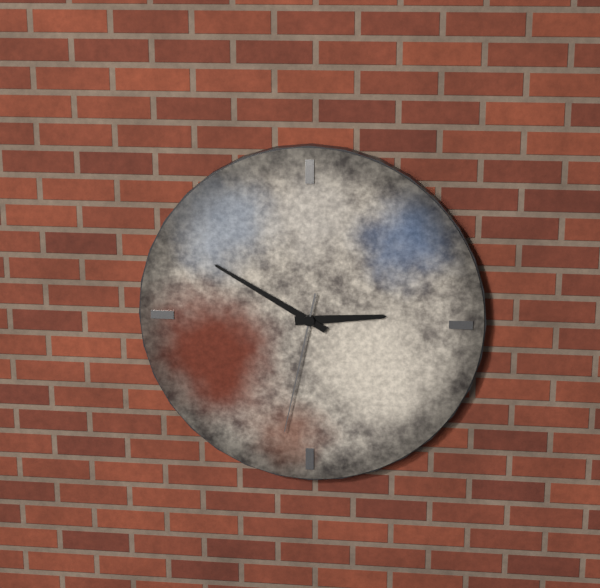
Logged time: 2 h 50 min 32 s
